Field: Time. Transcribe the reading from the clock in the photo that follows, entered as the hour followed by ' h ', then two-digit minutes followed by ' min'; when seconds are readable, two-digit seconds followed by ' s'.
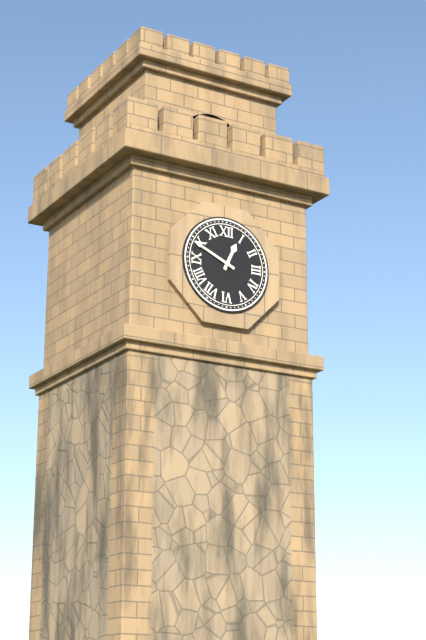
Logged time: 12 h 49 min
